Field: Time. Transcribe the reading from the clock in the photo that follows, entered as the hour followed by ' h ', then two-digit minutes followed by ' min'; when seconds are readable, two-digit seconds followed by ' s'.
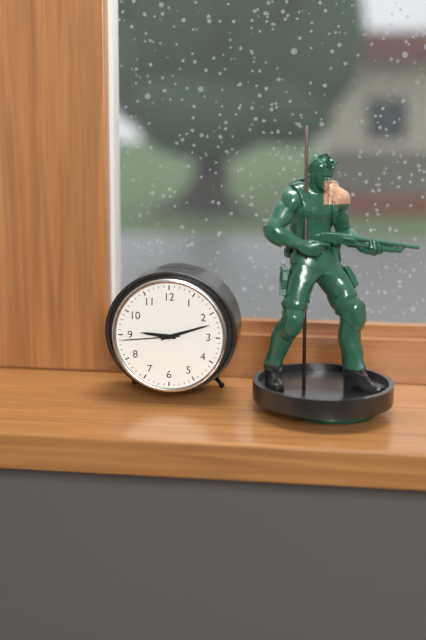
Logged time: 9 h 12 min 44 s
